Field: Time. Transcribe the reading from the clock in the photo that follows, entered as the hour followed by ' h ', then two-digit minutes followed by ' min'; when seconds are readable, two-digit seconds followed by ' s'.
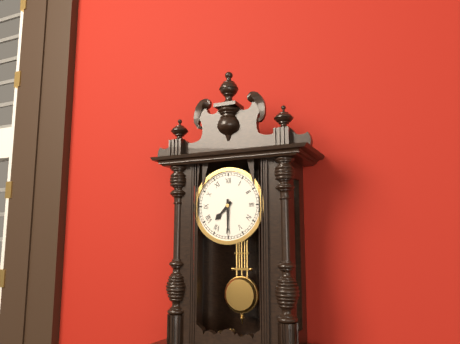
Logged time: 7 h 30 min
